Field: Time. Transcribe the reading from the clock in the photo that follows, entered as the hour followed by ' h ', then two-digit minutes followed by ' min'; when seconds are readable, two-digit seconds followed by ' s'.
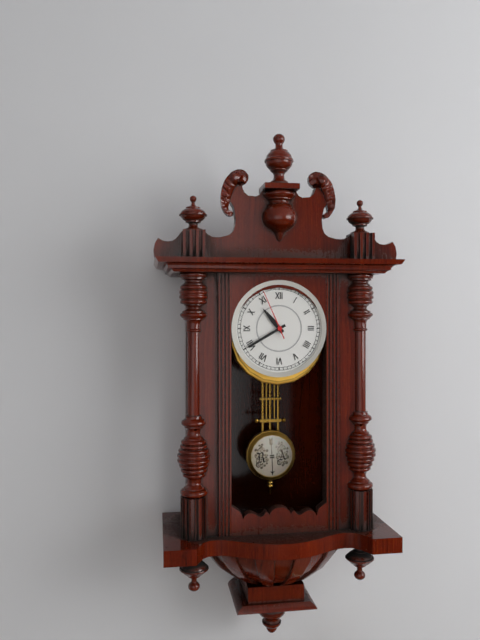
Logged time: 10 h 40 min 56 s
